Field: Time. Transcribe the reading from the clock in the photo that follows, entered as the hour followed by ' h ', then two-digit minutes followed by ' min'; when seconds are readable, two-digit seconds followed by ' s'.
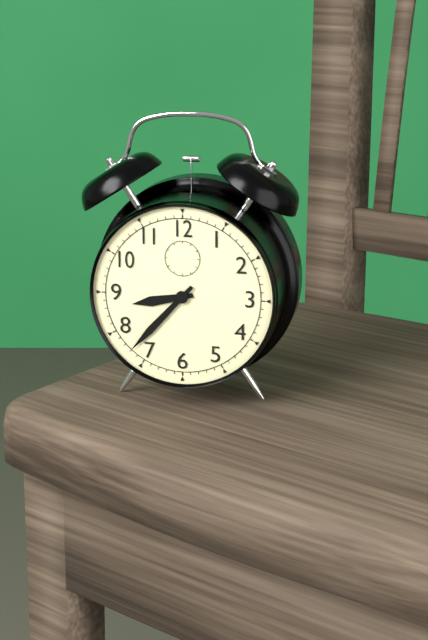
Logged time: 8 h 37 min
